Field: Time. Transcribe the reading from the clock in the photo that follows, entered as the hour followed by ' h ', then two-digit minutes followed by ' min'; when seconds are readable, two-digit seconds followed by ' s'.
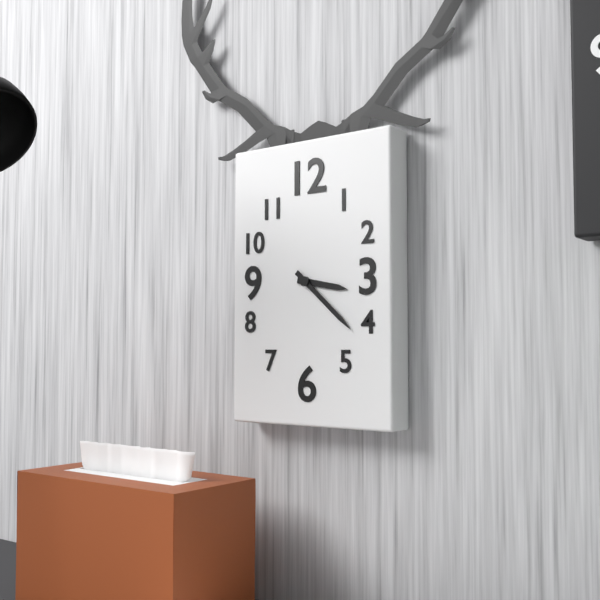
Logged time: 3 h 22 min
